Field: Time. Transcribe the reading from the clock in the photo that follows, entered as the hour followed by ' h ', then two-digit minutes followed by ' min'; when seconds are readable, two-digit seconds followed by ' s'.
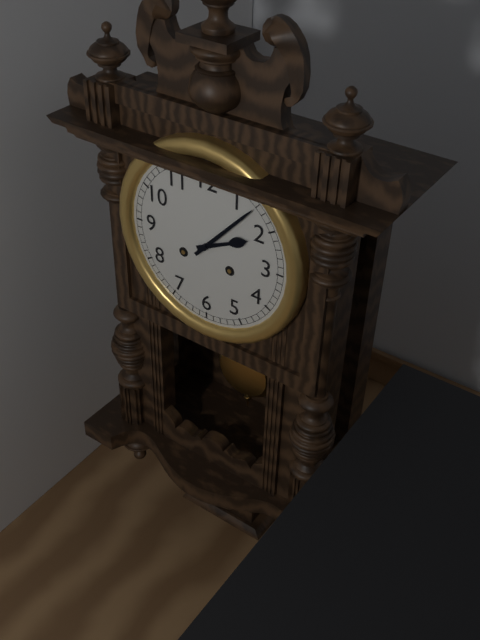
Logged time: 2 h 07 min
